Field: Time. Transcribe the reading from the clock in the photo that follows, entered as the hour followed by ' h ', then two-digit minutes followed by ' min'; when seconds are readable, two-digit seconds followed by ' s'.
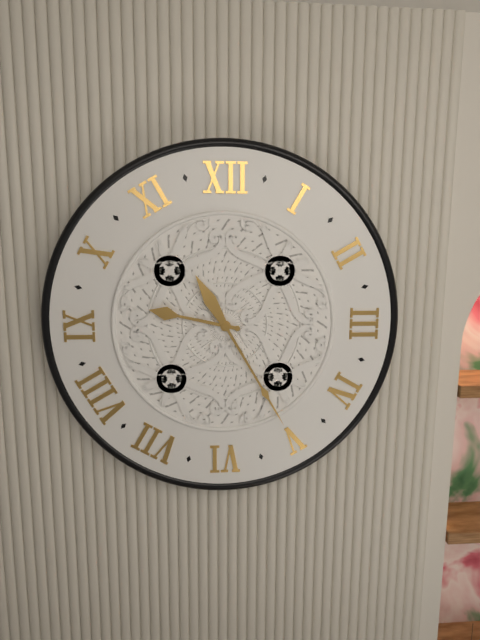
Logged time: 9 h 25 min
